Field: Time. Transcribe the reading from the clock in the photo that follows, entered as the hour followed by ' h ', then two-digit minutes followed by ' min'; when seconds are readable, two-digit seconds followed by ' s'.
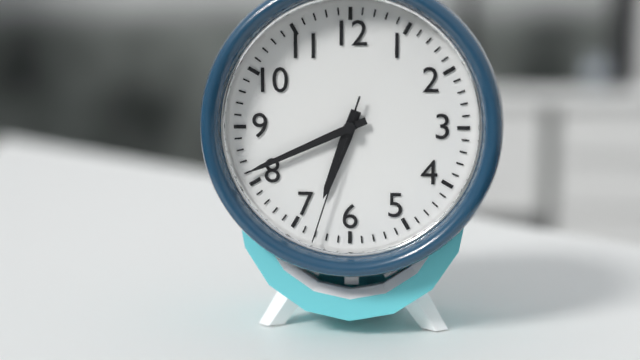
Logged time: 6 h 41 min 33 s
